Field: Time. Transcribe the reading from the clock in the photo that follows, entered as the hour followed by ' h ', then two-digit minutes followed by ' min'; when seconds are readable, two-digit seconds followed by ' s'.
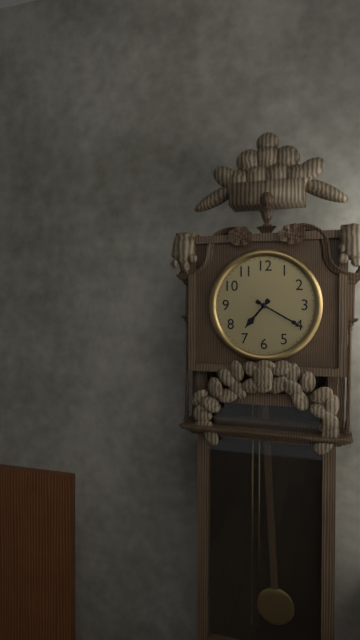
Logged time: 7 h 20 min
